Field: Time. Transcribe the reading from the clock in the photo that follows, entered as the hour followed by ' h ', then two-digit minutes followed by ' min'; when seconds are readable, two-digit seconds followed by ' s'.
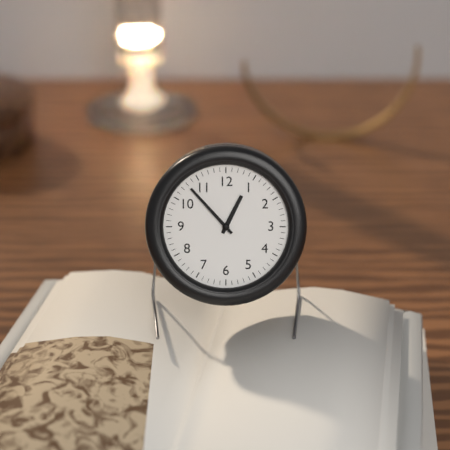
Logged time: 12 h 53 min
